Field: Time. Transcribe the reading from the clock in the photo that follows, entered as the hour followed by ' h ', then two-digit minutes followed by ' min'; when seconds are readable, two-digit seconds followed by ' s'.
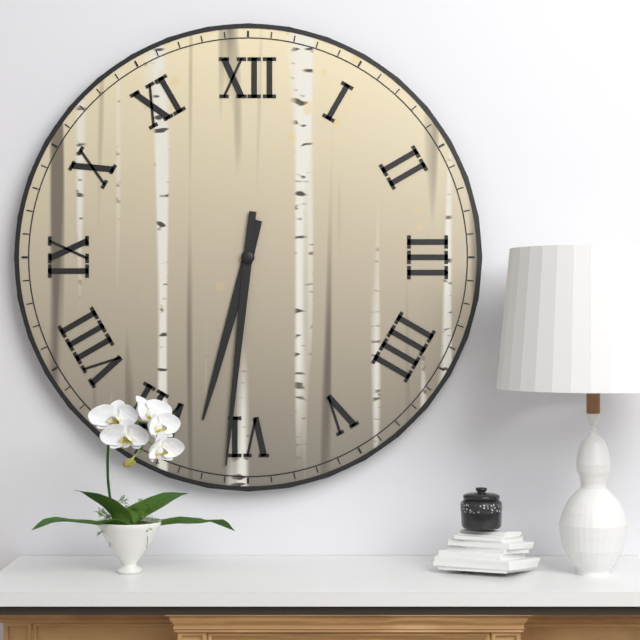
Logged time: 6 h 31 min
